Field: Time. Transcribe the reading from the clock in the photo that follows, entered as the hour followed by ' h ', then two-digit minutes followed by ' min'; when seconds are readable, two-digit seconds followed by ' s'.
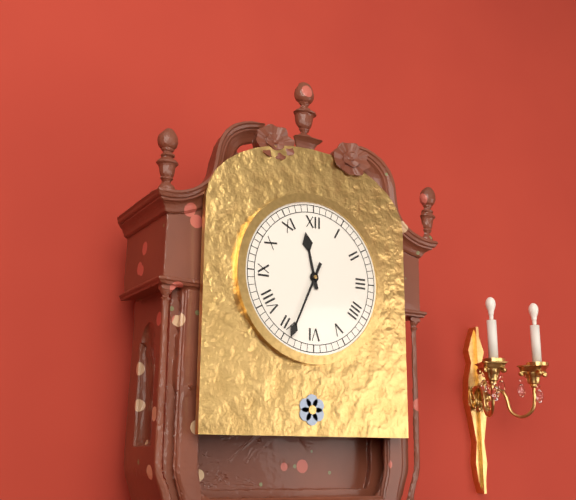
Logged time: 11 h 34 min
